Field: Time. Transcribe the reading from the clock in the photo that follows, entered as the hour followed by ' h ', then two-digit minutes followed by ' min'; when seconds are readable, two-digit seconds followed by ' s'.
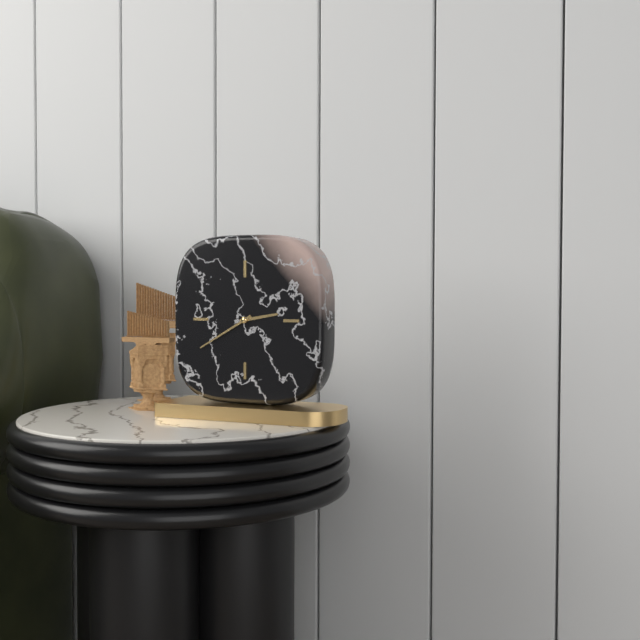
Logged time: 2 h 40 min
